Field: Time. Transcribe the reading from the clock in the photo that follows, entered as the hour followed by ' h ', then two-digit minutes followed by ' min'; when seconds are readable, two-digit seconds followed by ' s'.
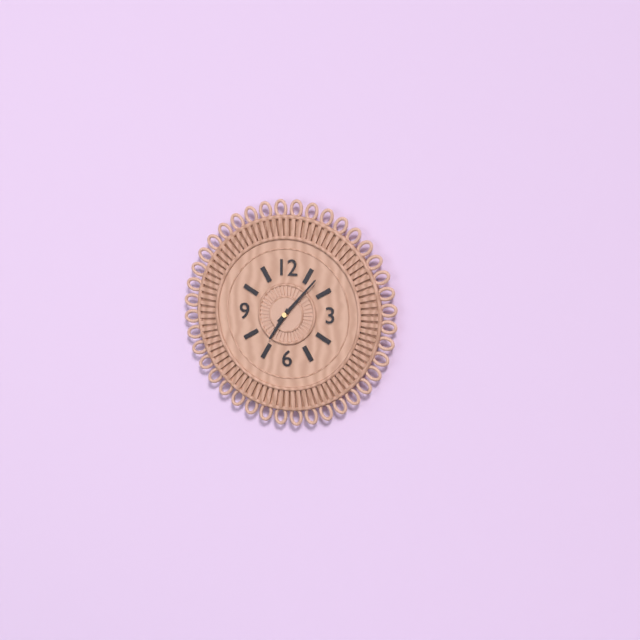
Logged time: 7 h 07 min
